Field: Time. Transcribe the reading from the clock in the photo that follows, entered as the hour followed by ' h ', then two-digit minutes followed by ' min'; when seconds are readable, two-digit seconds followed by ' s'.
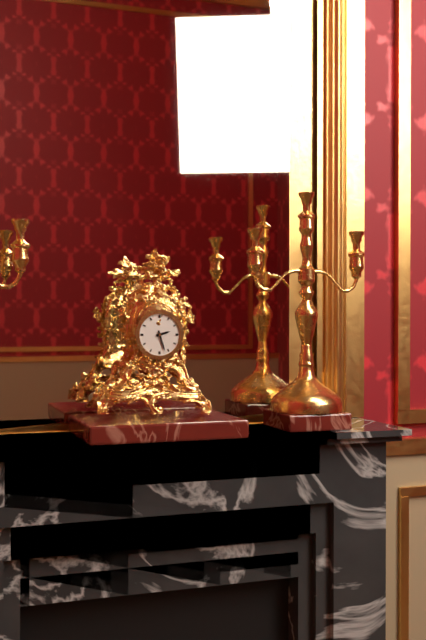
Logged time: 2 h 27 min
